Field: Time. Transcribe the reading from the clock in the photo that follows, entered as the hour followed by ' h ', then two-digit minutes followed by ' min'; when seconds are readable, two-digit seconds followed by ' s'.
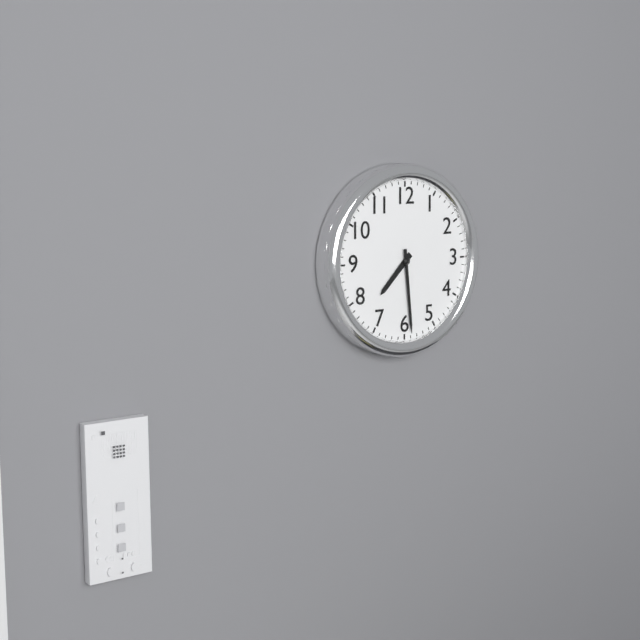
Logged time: 7 h 29 min
